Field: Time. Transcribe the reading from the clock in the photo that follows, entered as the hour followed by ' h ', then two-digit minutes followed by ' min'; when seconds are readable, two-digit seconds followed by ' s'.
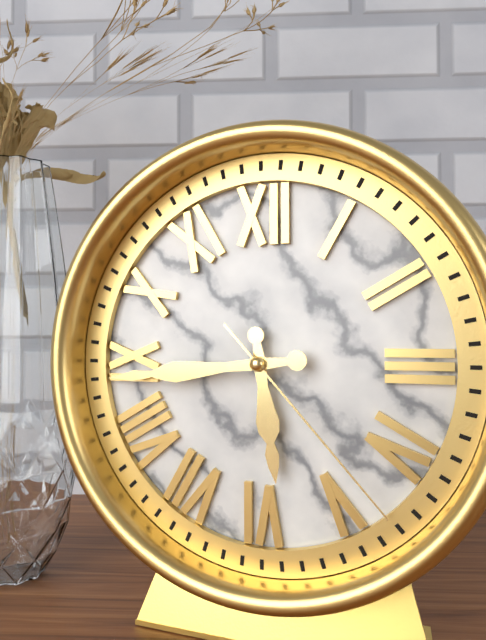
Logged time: 5 h 44 min 23 s
